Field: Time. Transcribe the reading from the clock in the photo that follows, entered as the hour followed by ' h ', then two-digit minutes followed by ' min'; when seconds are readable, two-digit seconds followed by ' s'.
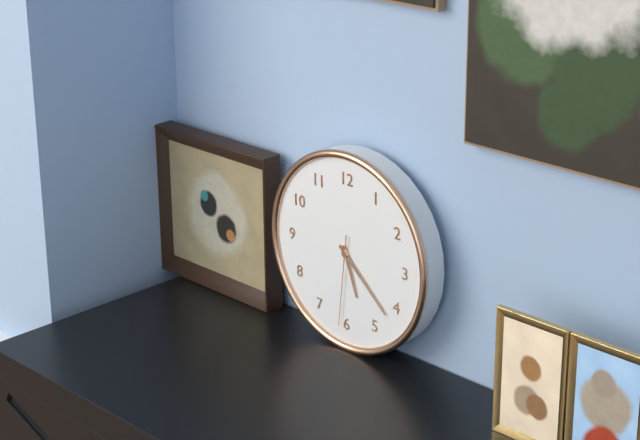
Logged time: 5 h 22 min 31 s
